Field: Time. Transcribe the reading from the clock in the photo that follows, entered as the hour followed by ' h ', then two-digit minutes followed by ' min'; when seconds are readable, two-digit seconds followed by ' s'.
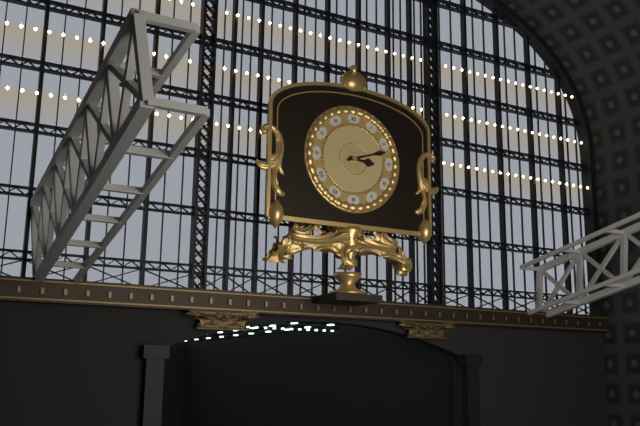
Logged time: 3 h 12 min
